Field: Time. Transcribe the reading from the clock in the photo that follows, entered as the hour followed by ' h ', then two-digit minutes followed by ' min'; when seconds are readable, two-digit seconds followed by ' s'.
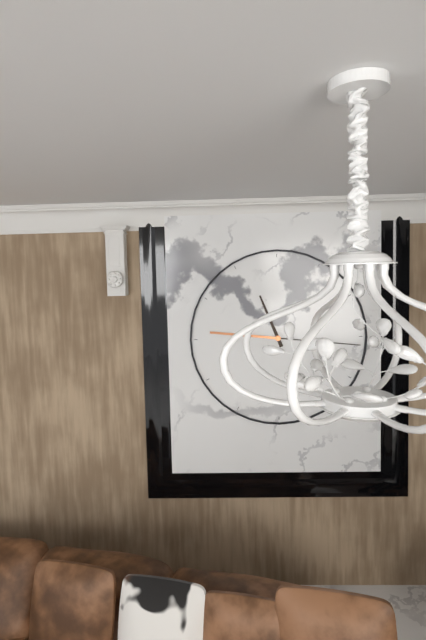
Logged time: 11 h 16 min
